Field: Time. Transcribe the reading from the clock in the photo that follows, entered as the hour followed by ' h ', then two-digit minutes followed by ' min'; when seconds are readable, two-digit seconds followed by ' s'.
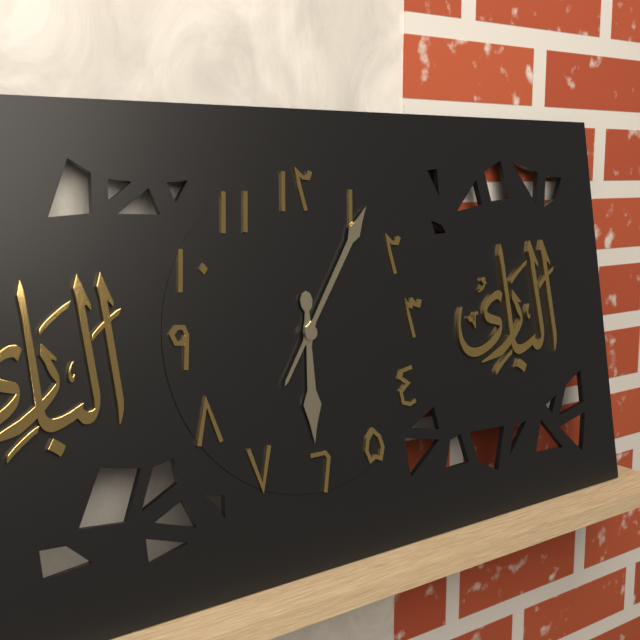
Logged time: 6 h 06 min
